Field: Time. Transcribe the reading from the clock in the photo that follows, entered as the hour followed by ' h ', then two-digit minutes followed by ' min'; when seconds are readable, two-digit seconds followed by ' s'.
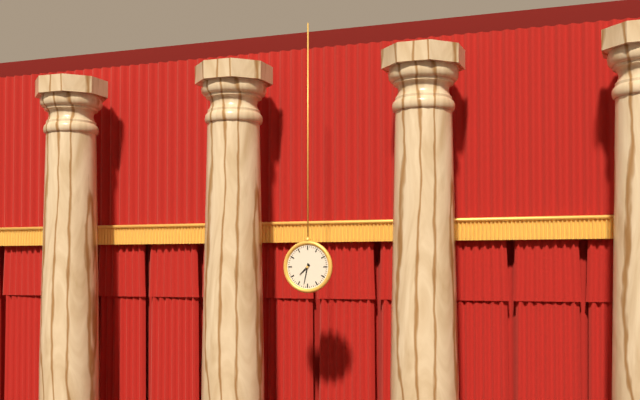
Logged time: 7 h 32 min
